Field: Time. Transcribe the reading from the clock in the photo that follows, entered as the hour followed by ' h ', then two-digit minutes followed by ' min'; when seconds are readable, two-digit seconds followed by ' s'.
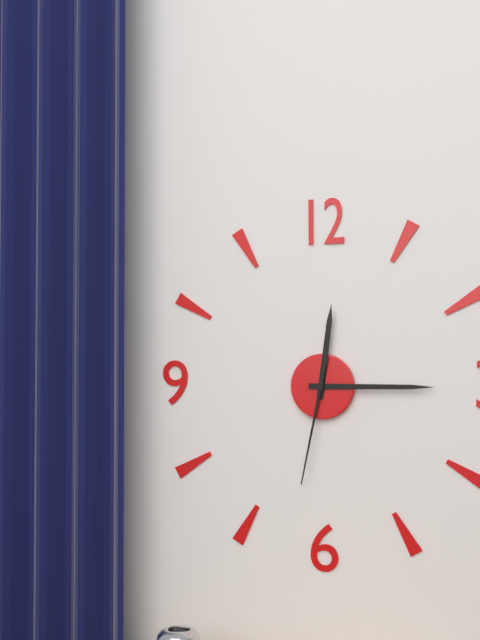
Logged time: 12 h 15 min 32 s
